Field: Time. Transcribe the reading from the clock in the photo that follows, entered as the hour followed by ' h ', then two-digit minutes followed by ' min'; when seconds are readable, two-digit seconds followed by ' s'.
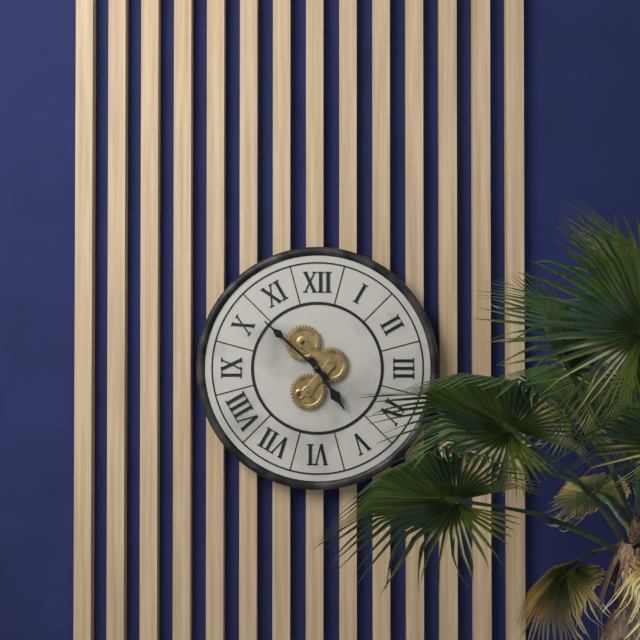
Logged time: 4 h 52 min
